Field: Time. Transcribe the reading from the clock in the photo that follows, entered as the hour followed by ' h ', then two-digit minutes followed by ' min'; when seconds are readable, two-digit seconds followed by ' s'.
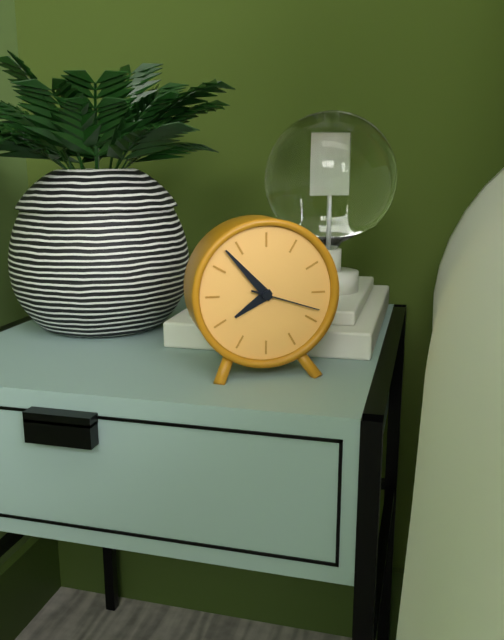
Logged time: 7 h 53 min 18 s
